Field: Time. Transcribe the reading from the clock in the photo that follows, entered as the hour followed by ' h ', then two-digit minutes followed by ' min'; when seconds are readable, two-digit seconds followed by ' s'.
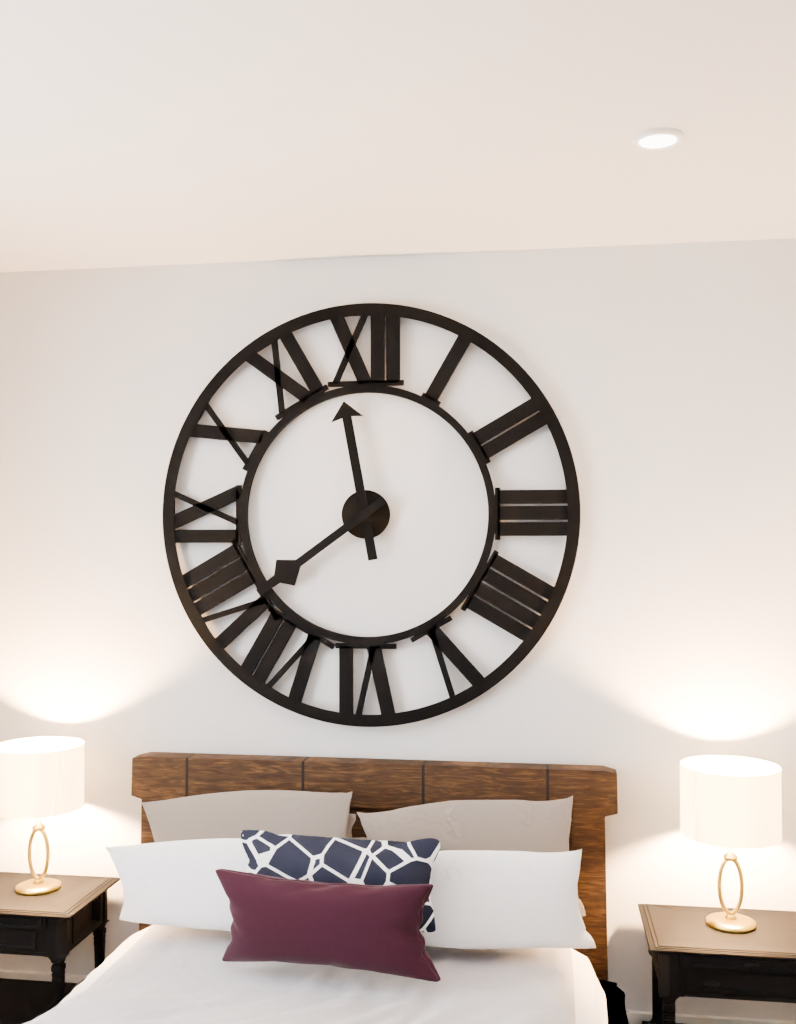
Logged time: 11 h 39 min
